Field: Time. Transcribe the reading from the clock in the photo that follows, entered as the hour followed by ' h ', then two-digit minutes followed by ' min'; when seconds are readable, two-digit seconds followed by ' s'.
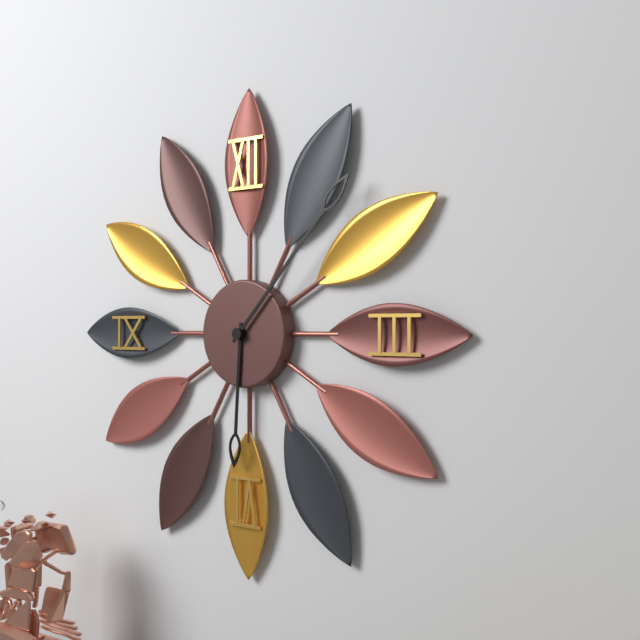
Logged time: 6 h 07 min
